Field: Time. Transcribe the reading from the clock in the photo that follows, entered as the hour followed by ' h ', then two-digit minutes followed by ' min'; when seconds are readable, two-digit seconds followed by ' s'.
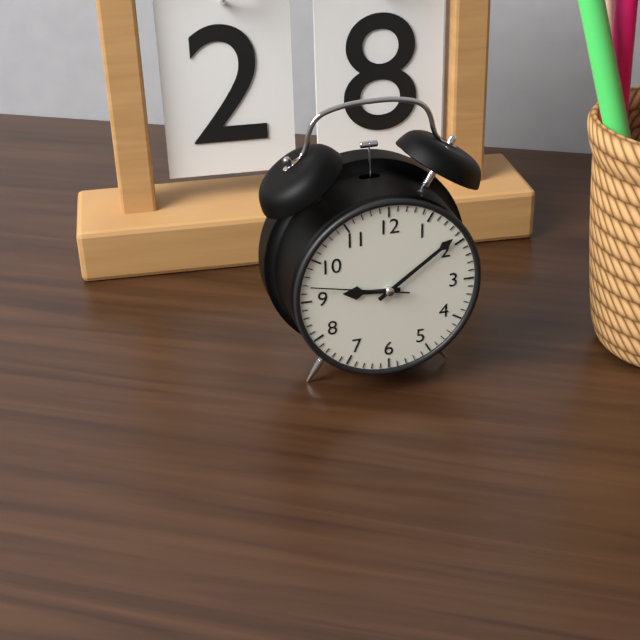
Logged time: 9 h 09 min 47 s
